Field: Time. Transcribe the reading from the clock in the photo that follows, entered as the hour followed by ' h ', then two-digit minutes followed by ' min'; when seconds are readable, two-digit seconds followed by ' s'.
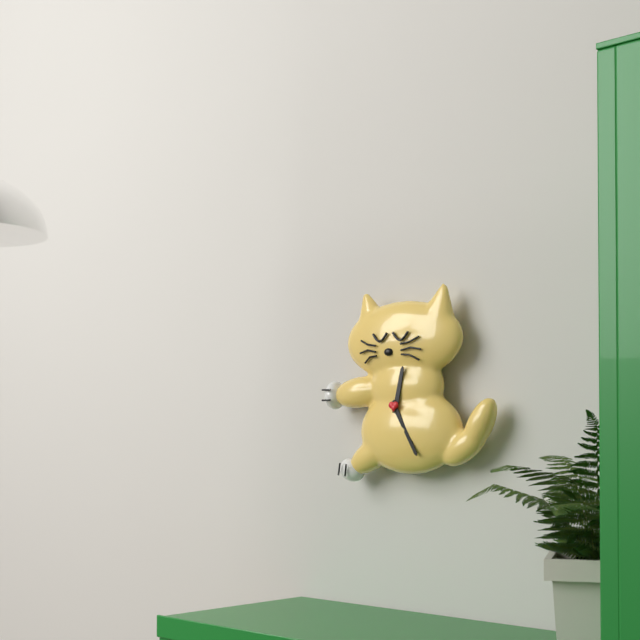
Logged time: 12 h 25 min
